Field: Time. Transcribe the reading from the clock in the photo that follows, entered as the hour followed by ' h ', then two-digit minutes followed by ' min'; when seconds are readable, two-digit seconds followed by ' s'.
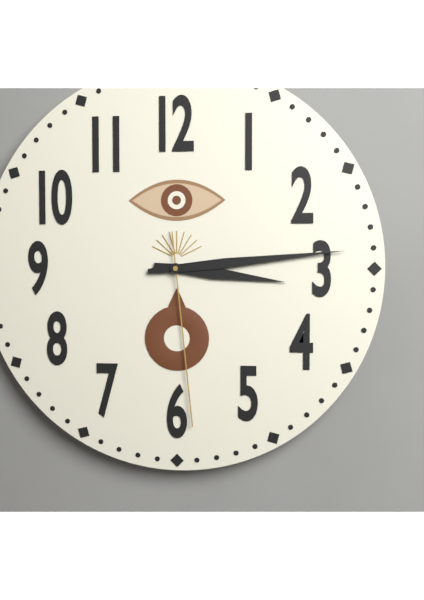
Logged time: 3 h 14 min 29 s
